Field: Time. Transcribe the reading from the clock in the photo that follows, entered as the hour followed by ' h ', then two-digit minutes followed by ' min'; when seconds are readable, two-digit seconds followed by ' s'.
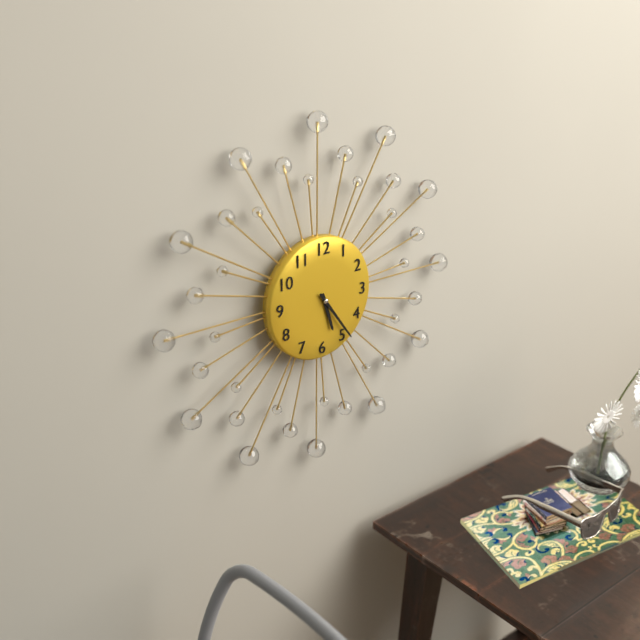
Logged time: 5 h 24 min
